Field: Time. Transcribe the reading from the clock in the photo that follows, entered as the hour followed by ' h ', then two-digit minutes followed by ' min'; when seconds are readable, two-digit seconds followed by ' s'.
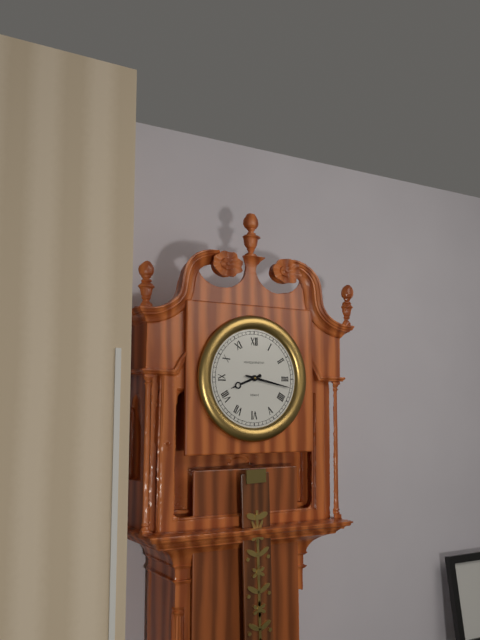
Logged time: 8 h 17 min
